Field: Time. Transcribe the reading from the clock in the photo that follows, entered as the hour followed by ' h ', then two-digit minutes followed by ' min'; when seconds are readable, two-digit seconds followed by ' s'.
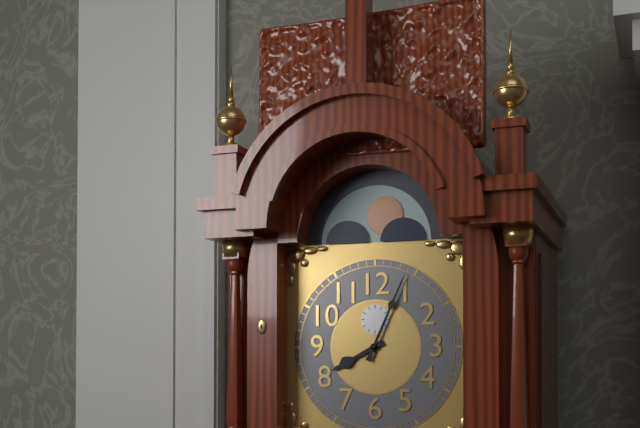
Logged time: 8 h 04 min
